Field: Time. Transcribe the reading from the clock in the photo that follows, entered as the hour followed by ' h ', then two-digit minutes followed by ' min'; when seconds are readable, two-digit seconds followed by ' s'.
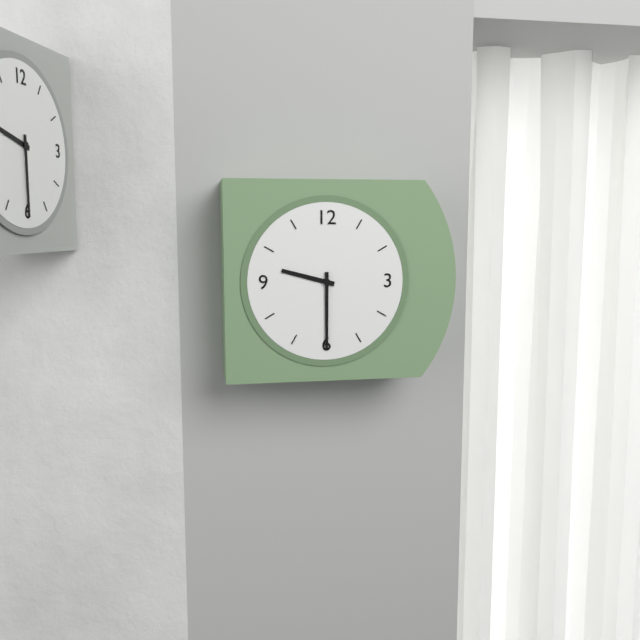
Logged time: 9 h 30 min
